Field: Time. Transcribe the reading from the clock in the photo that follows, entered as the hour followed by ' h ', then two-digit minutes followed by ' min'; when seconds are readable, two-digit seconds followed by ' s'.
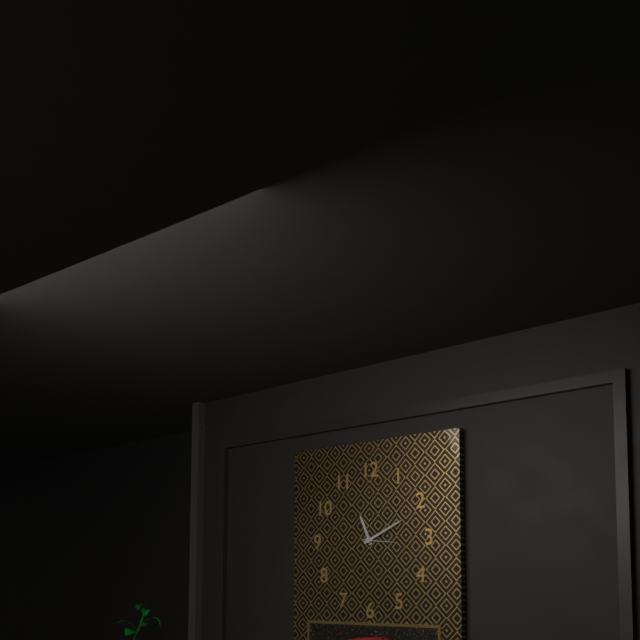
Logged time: 11 h 11 min
